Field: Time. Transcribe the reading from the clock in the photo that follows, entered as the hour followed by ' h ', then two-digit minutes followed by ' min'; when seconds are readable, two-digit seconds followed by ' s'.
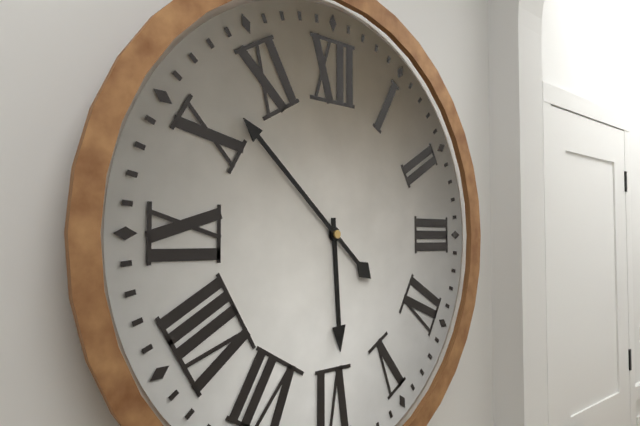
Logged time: 5 h 52 min
